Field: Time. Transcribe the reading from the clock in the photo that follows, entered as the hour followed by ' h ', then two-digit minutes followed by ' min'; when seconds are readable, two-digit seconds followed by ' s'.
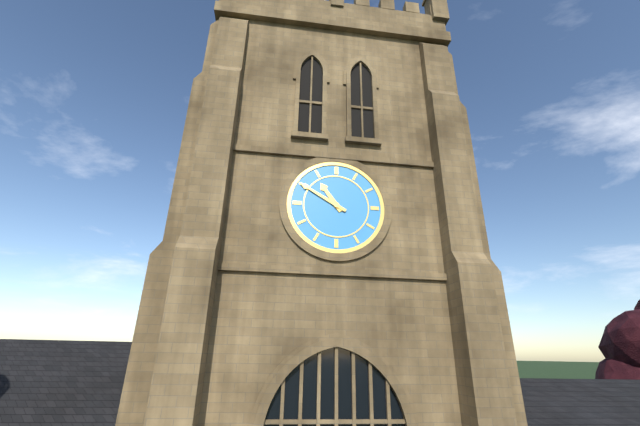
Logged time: 10 h 50 min
